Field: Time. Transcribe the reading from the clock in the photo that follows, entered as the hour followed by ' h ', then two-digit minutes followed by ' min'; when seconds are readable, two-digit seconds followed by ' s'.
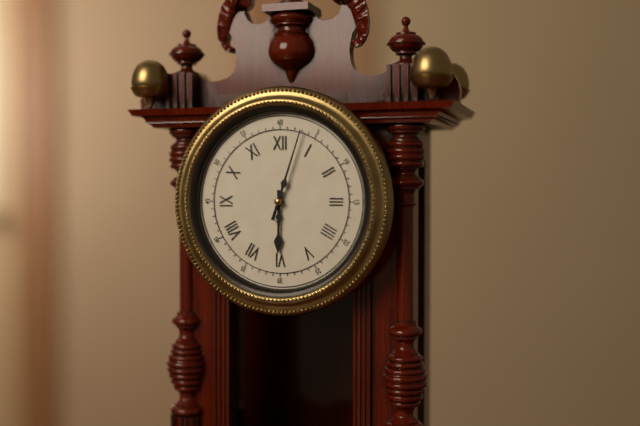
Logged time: 6 h 03 min
